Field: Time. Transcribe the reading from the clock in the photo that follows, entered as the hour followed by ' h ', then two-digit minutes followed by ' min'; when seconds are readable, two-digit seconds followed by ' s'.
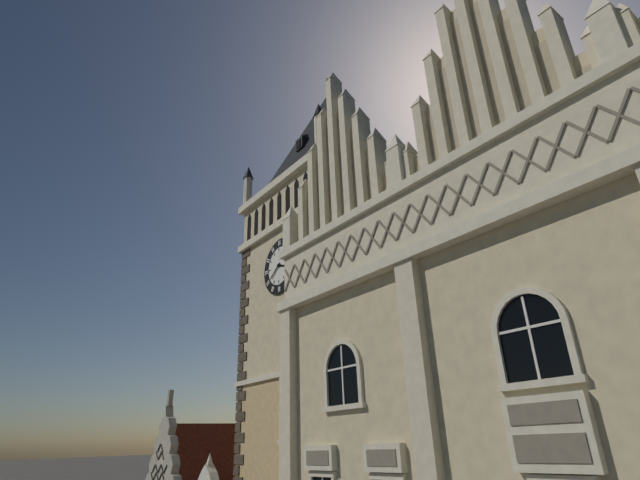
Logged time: 3 h 39 min
